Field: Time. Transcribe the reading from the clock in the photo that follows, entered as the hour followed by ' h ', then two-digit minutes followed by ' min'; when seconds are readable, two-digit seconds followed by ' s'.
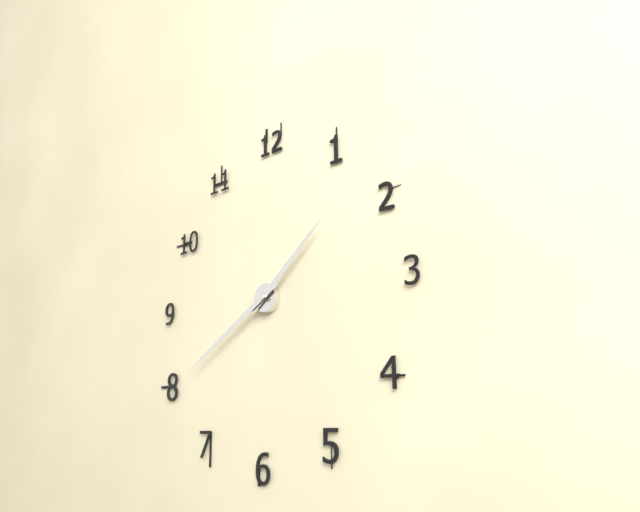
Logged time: 1 h 40 min
